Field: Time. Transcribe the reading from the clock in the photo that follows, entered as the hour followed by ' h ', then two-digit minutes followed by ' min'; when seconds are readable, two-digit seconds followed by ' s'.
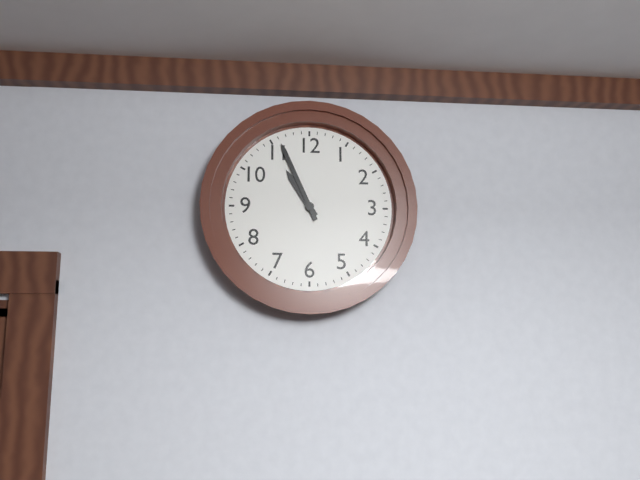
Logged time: 10 h 56 min
